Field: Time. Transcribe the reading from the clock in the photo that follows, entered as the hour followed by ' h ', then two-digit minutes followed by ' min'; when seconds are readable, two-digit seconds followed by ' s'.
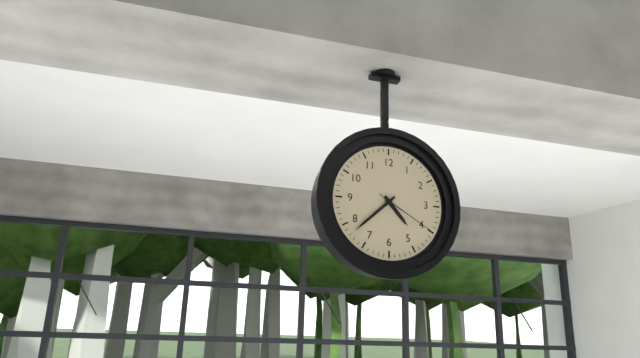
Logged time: 4 h 38 min 20 s
